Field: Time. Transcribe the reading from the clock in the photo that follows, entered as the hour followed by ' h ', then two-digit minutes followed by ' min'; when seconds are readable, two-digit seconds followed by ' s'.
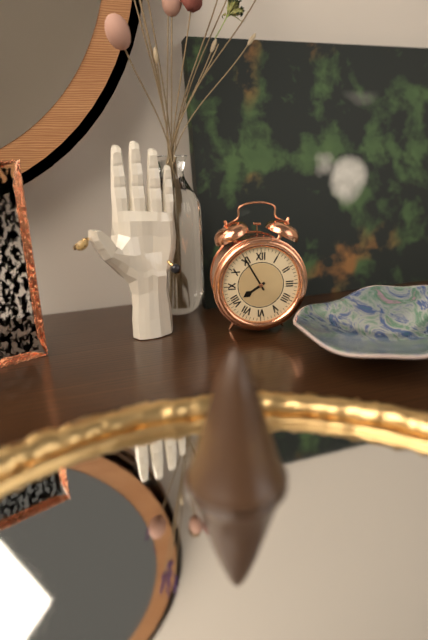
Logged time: 7 h 55 min
